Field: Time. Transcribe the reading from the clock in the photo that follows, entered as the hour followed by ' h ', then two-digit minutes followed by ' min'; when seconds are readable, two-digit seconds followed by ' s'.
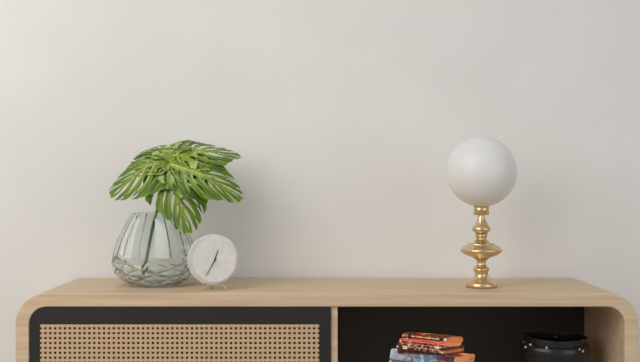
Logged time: 12 h 35 min
